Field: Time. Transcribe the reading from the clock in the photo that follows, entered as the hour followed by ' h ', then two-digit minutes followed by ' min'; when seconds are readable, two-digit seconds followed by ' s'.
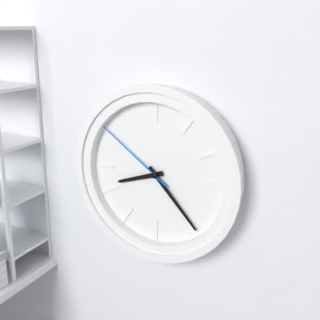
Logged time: 8 h 23 min 51 s
